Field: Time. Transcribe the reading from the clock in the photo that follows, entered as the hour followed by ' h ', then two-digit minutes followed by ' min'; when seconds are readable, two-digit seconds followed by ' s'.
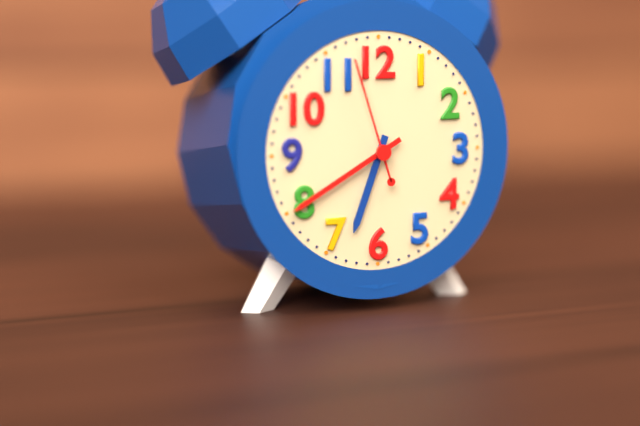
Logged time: 6 h 40 min 57 s
